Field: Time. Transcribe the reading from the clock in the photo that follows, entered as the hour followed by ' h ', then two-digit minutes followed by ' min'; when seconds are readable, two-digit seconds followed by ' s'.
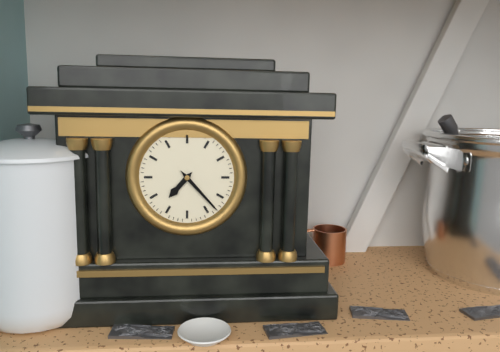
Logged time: 7 h 23 min
